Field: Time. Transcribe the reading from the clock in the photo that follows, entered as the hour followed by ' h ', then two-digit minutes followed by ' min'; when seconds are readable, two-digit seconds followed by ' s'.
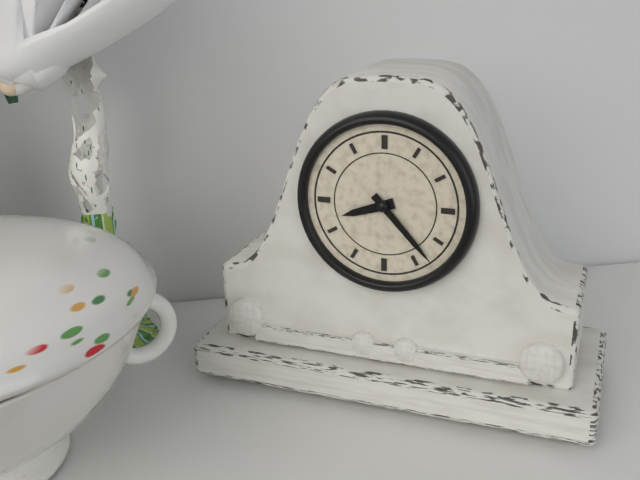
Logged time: 8 h 23 min
